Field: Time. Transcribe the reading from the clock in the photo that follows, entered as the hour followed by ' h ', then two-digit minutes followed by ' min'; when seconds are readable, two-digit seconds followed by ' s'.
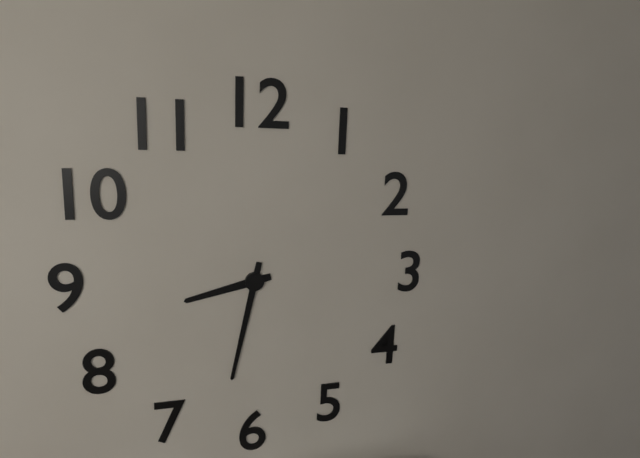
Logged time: 8 h 32 min
